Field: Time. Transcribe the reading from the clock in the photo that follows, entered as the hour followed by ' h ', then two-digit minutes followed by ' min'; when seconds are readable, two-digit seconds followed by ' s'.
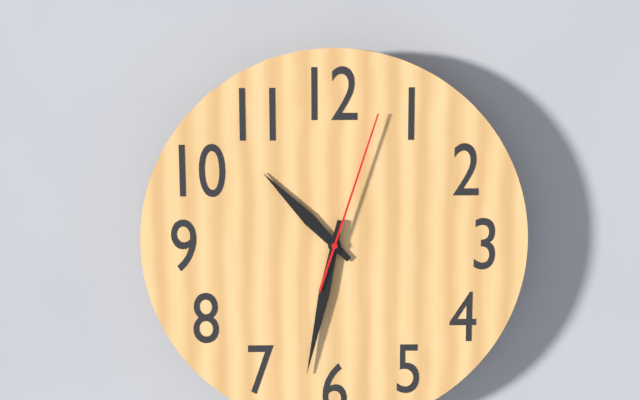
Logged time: 10 h 32 min 03 s
